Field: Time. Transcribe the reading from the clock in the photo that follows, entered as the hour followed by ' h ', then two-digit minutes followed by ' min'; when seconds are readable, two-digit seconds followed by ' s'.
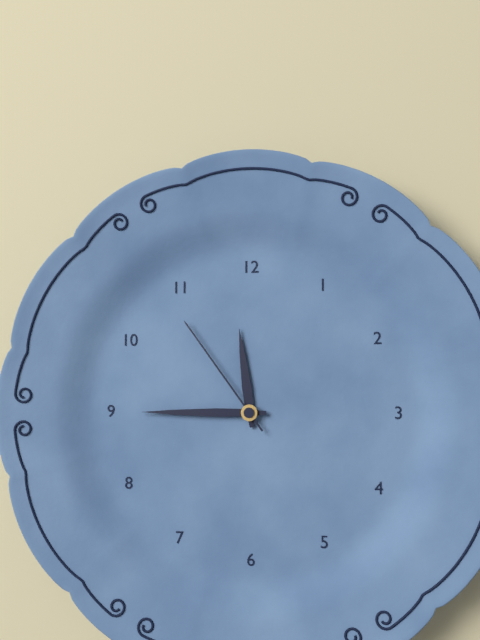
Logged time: 11 h 45 min 54 s
